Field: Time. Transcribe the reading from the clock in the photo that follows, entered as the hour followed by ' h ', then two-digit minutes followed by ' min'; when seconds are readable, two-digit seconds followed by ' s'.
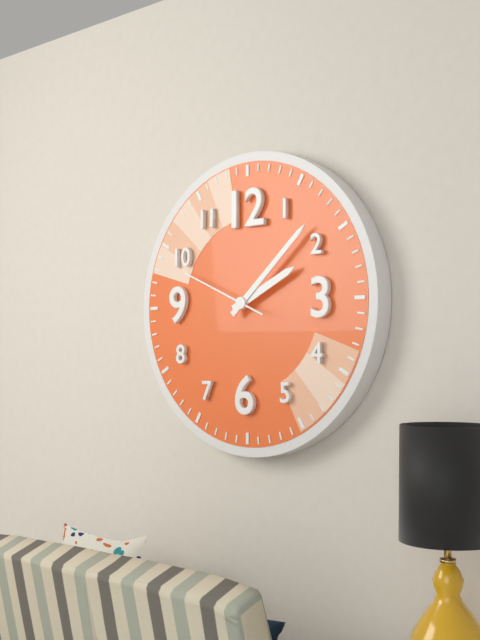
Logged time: 2 h 08 min 49 s
